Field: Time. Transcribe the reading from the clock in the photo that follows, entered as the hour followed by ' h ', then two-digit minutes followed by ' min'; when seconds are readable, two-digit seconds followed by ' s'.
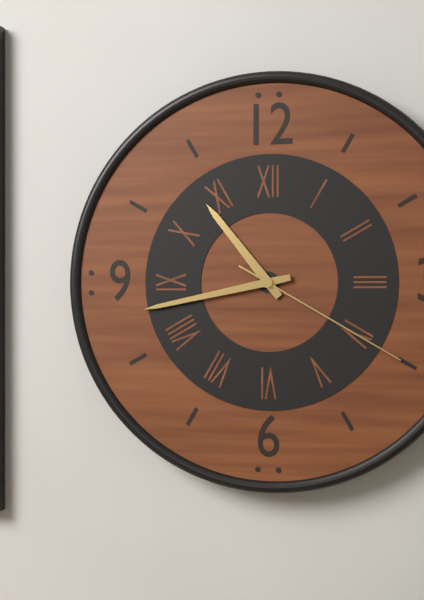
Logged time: 10 h 43 min 20 s
